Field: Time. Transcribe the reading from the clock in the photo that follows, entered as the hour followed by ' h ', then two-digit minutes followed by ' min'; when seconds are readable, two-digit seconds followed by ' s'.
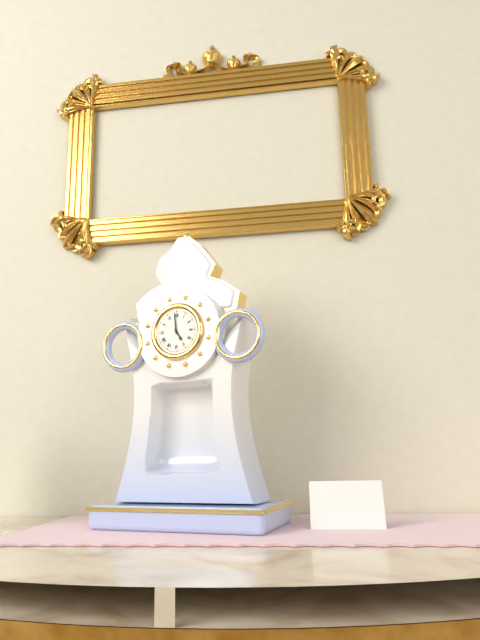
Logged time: 4 h 59 min
